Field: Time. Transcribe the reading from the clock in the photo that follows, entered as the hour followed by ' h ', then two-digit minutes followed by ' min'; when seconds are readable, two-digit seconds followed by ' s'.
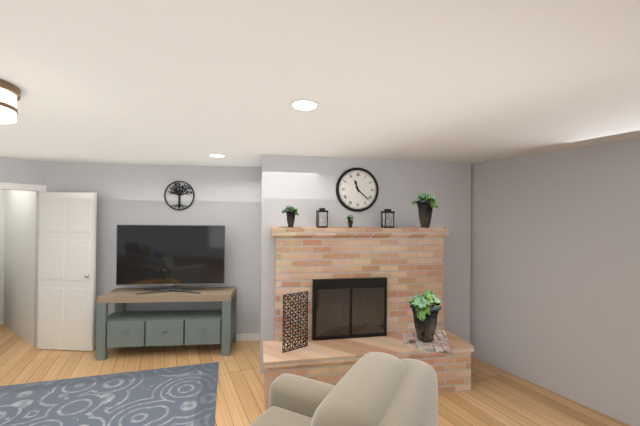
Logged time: 11 h 22 min
